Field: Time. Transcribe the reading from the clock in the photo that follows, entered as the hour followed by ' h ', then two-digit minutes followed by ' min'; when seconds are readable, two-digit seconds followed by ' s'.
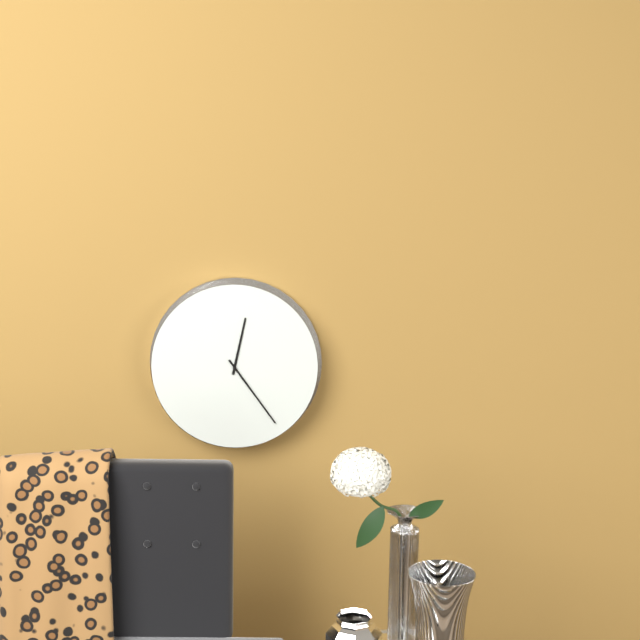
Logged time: 12 h 24 min
